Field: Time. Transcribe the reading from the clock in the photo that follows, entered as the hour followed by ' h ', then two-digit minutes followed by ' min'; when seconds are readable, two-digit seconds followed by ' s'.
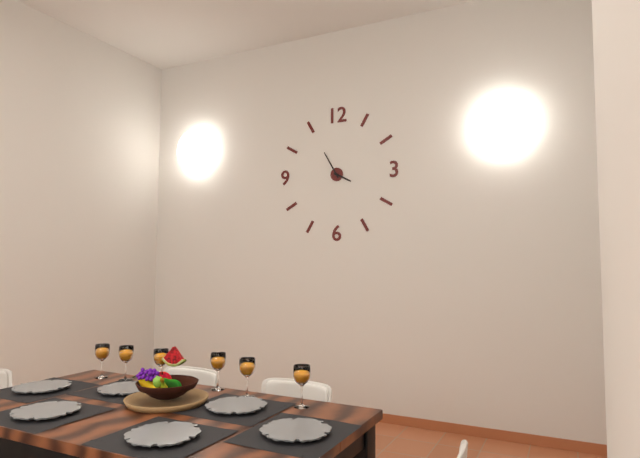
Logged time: 3 h 55 min
